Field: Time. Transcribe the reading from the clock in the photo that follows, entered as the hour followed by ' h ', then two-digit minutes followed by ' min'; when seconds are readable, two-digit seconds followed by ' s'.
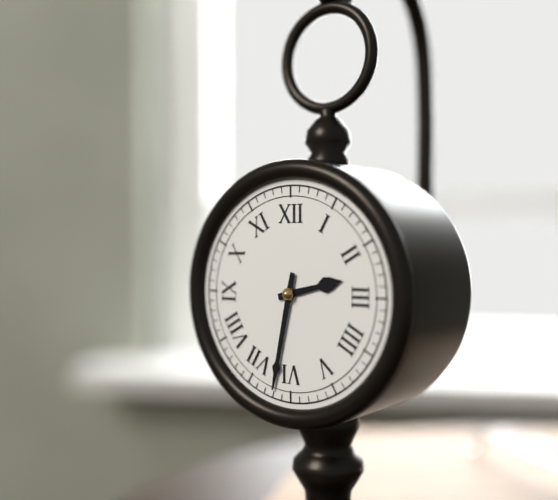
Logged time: 2 h 32 min
